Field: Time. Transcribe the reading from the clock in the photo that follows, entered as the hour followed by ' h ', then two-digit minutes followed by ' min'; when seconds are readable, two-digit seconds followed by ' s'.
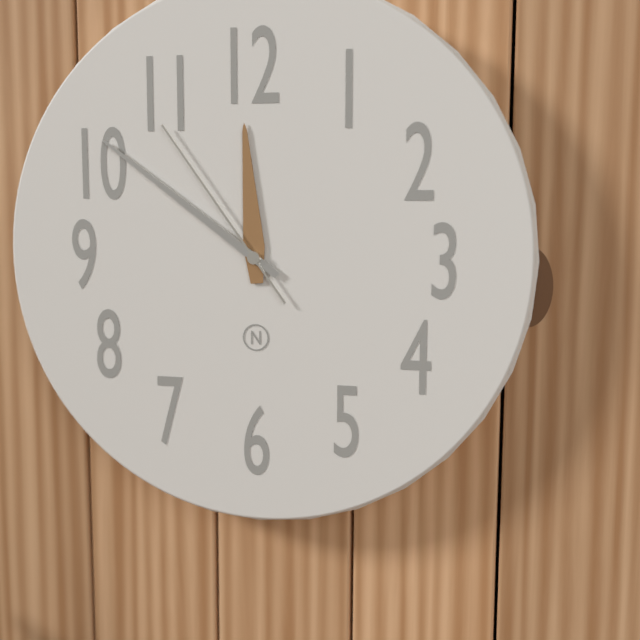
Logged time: 11 h 51 min 54 s
